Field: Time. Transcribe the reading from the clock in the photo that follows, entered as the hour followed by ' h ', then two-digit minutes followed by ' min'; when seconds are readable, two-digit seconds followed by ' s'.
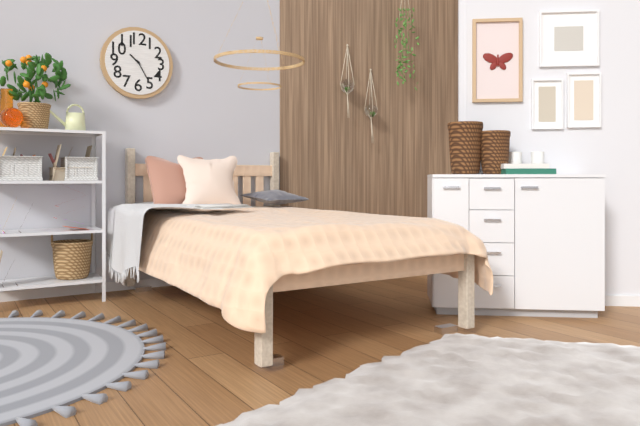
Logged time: 10 h 25 min
